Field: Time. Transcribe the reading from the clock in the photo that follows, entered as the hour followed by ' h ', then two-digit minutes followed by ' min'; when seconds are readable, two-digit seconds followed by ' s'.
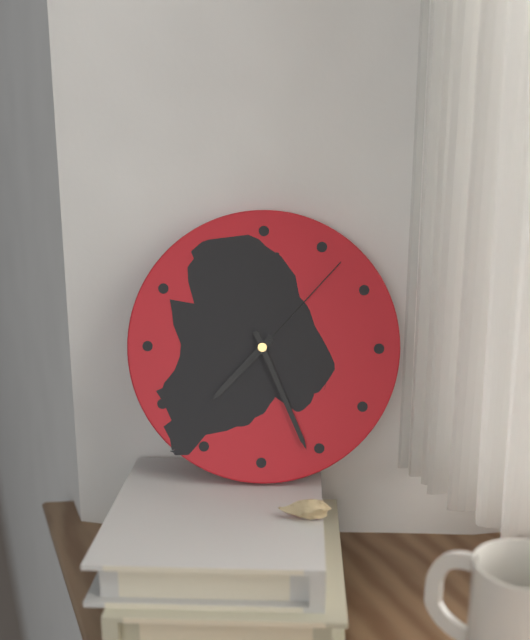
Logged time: 7 h 26 min 07 s
